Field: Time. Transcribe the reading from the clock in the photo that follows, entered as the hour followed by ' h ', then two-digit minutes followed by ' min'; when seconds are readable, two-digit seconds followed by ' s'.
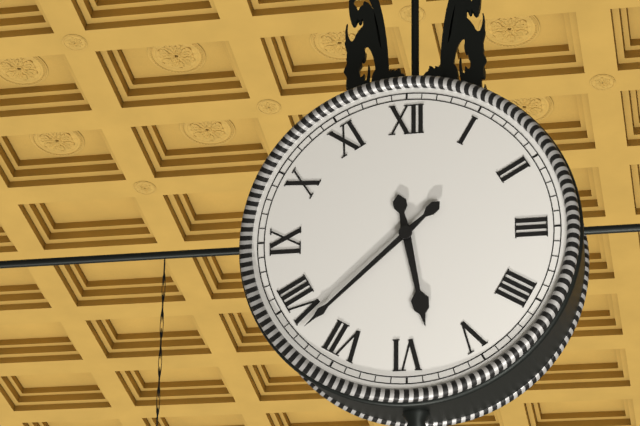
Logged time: 5 h 38 min
